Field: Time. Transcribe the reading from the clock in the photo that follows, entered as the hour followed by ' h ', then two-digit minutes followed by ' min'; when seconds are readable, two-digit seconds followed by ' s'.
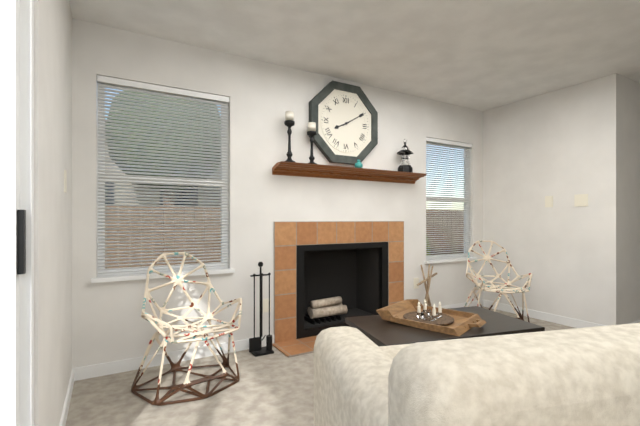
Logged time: 8 h 10 min
